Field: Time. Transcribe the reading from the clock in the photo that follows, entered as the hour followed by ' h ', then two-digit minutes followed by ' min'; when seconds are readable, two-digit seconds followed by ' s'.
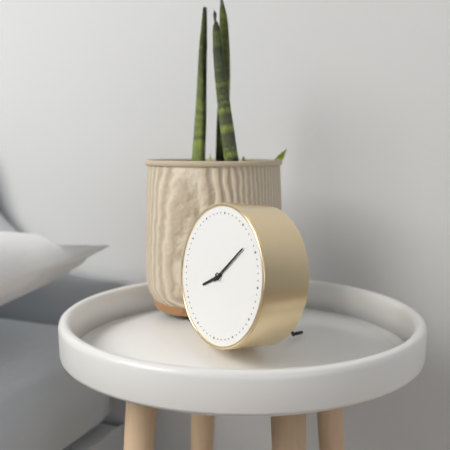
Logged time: 8 h 08 min
